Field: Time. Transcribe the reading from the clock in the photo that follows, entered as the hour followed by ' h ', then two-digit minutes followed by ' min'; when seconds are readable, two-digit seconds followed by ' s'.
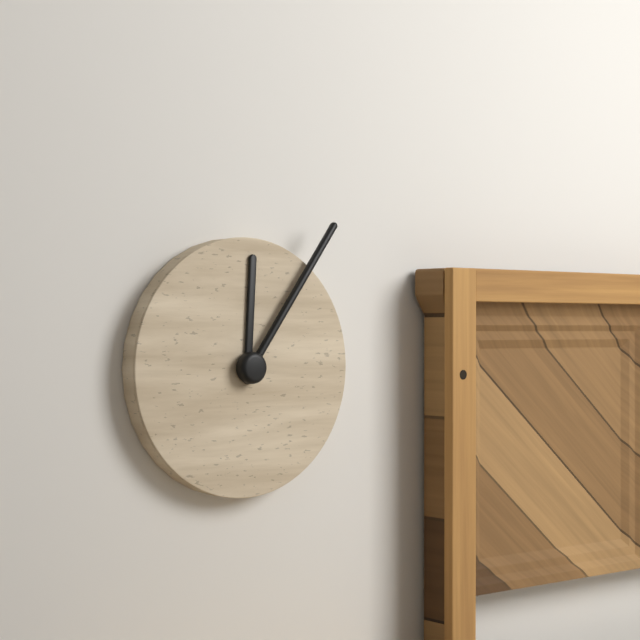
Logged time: 12 h 06 min
